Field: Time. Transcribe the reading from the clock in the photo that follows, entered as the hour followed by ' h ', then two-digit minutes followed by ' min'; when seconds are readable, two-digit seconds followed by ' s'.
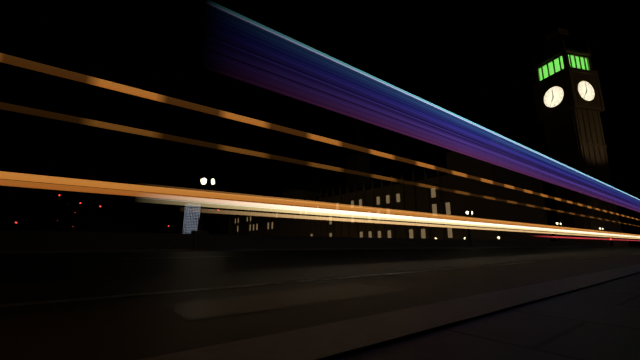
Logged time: 7 h 00 min
